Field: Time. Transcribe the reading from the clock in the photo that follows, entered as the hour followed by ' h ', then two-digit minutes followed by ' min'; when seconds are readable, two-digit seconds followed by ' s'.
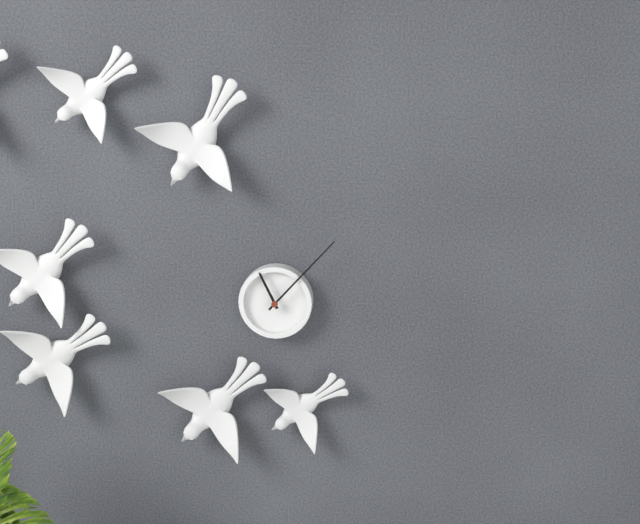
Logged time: 11 h 07 min
